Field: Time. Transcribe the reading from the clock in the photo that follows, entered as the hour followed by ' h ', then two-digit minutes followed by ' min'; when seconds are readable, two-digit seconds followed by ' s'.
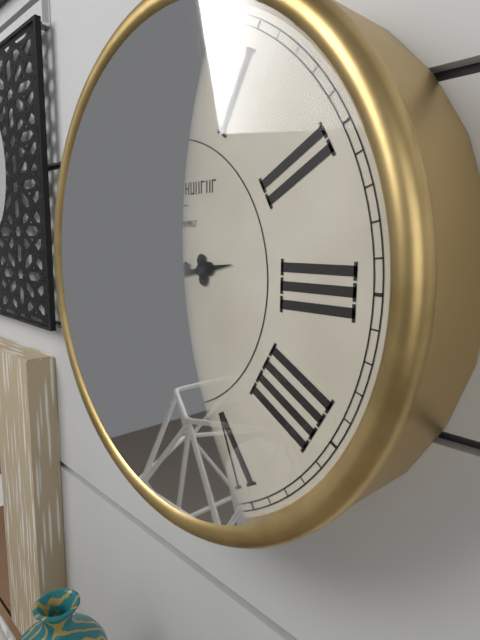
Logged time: 2 h 41 min
